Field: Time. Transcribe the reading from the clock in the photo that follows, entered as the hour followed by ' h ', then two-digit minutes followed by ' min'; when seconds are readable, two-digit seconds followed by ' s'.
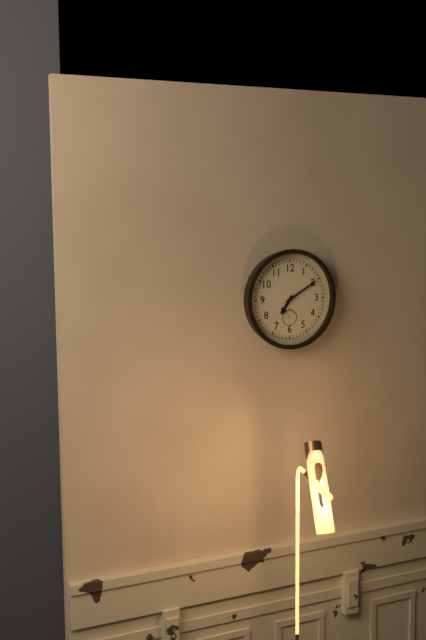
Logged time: 7 h 10 min
